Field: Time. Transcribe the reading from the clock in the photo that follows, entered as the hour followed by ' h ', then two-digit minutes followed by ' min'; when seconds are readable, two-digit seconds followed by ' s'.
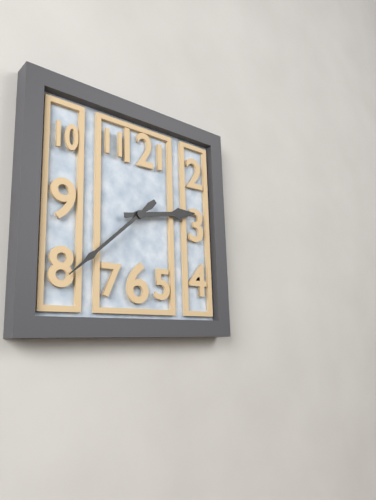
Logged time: 2 h 38 min
